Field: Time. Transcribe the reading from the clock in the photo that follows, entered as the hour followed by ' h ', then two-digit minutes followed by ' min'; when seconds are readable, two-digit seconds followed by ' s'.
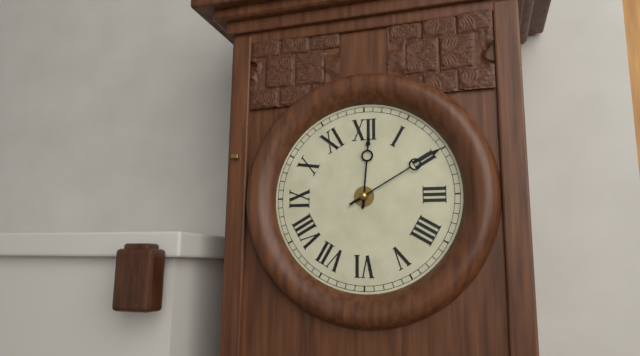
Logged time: 12 h 10 min
